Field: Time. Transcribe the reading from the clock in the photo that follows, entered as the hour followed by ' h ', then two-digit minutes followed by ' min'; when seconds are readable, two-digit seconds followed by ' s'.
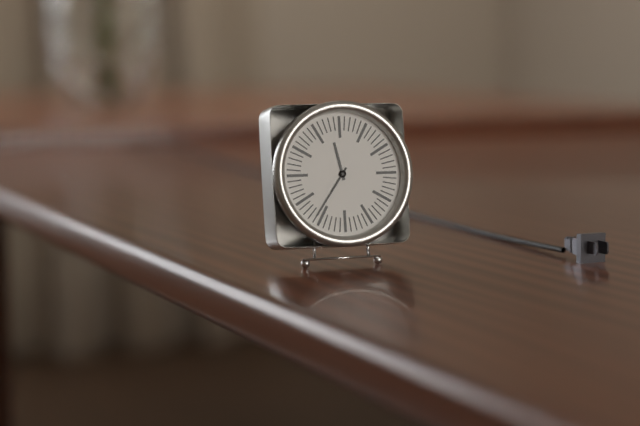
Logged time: 11 h 36 min
